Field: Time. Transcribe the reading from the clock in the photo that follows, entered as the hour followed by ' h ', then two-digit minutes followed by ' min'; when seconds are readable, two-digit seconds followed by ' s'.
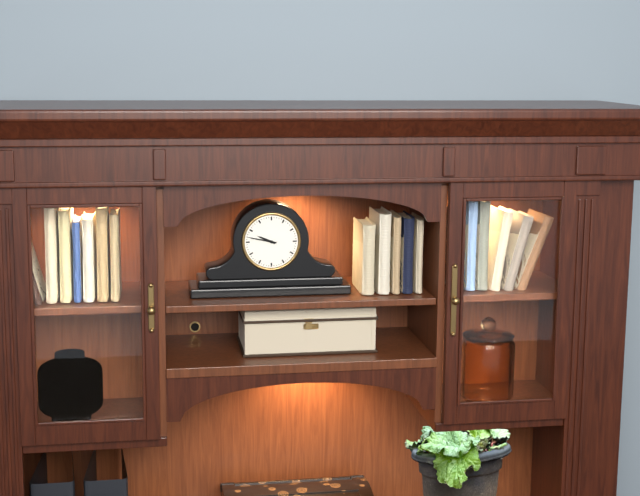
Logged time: 9 h 47 min
